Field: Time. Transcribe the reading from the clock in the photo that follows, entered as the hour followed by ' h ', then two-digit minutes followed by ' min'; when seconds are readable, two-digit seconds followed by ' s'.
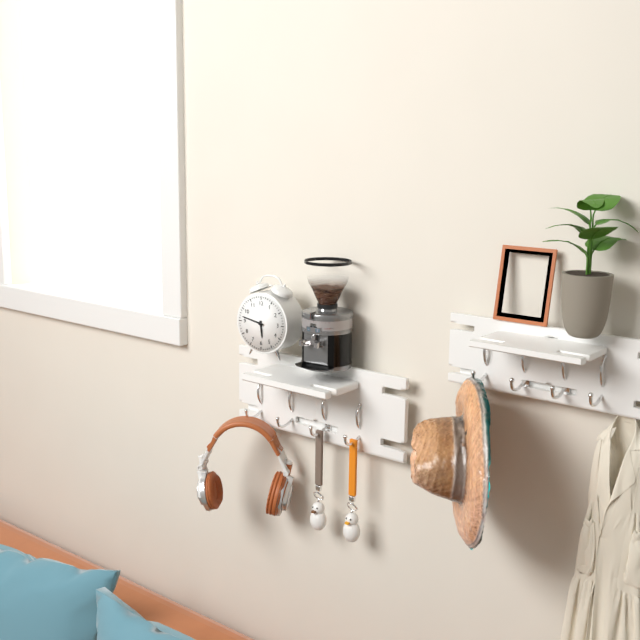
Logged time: 5 h 47 min
